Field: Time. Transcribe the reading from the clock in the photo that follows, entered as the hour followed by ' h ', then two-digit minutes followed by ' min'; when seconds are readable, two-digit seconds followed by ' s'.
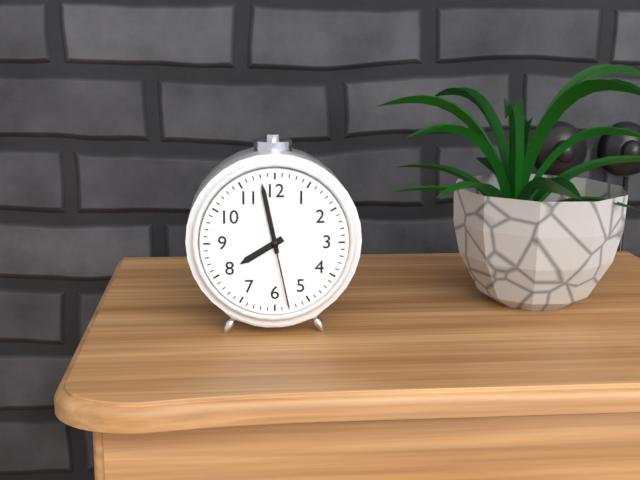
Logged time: 7 h 58 min 28 s
